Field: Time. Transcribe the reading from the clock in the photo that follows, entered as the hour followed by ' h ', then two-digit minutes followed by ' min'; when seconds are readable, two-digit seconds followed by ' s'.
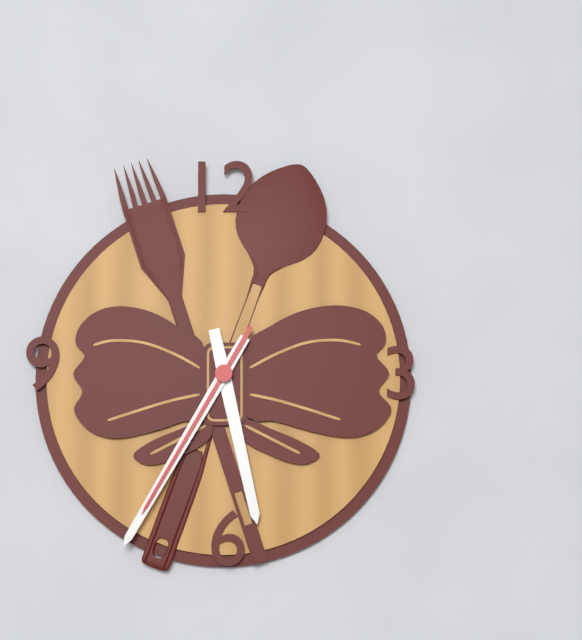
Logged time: 5 h 35 min 35 s
